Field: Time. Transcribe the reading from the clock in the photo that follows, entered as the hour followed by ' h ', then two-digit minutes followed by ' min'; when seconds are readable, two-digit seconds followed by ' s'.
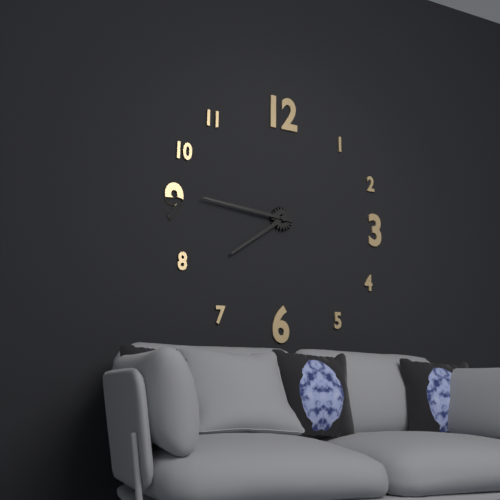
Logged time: 7 h 46 min
